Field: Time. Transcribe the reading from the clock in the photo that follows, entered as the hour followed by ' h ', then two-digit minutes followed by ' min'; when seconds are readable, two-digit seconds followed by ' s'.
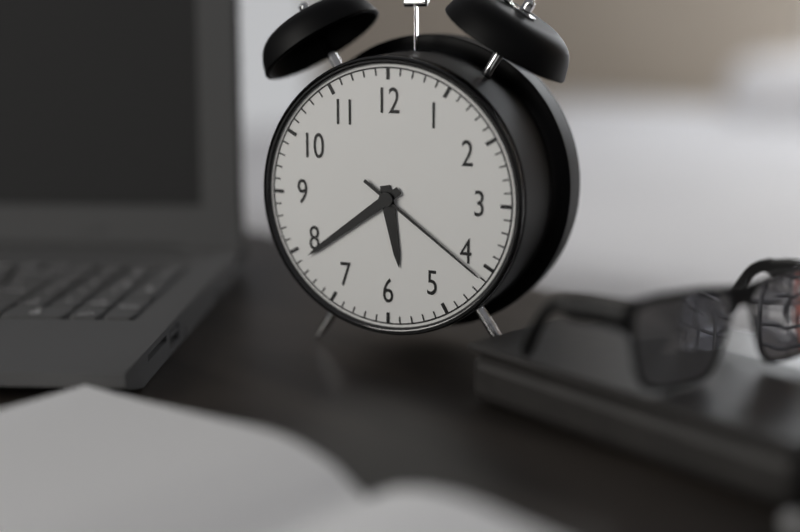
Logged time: 5 h 39 min 21 s
